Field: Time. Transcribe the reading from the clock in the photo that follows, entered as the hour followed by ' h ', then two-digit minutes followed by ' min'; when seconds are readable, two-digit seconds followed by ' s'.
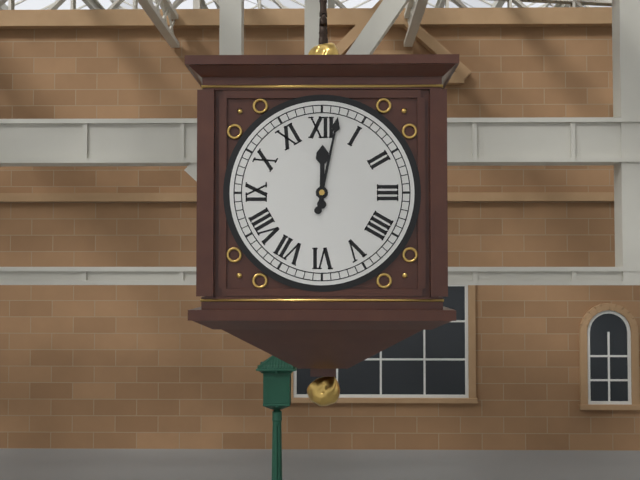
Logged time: 12 h 02 min
